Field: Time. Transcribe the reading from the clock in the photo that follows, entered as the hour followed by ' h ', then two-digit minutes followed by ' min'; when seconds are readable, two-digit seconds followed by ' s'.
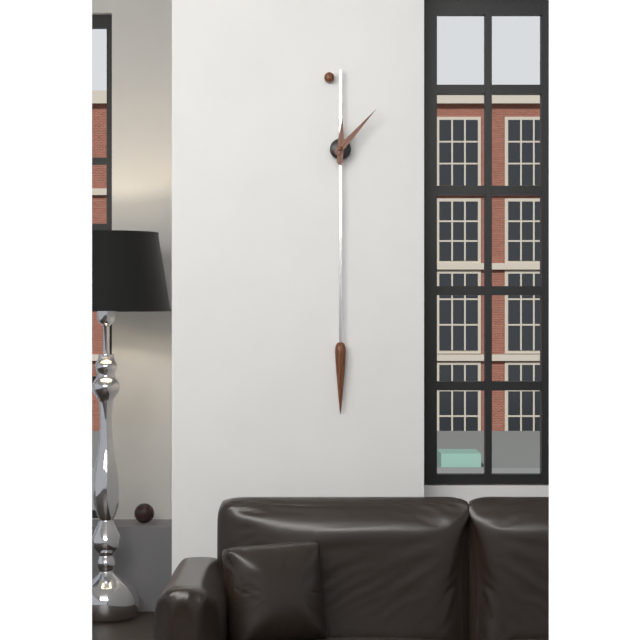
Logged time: 12 h 07 min
